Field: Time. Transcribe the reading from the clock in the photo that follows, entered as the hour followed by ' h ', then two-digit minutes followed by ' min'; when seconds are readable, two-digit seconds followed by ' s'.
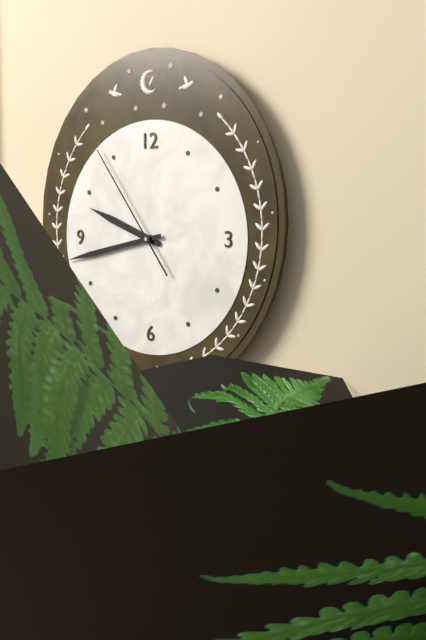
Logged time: 9 h 43 min 54 s
